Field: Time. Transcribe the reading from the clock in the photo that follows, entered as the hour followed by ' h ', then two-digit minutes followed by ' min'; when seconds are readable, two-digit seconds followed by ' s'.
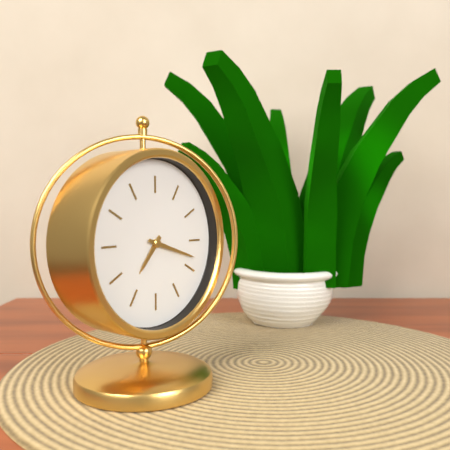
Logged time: 7 h 18 min
